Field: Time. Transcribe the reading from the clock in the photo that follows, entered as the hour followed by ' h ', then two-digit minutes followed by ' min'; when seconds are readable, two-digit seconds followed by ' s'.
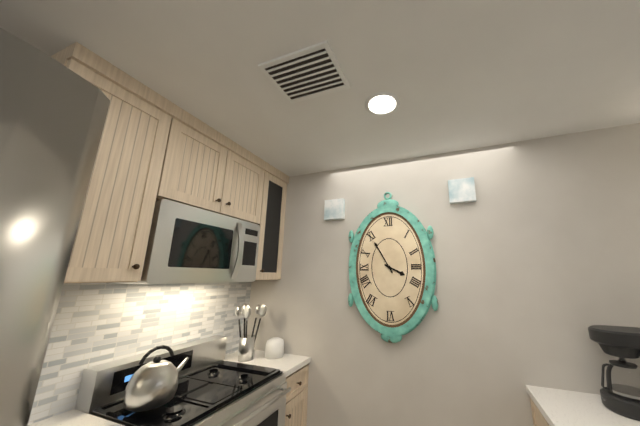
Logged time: 3 h 55 min
